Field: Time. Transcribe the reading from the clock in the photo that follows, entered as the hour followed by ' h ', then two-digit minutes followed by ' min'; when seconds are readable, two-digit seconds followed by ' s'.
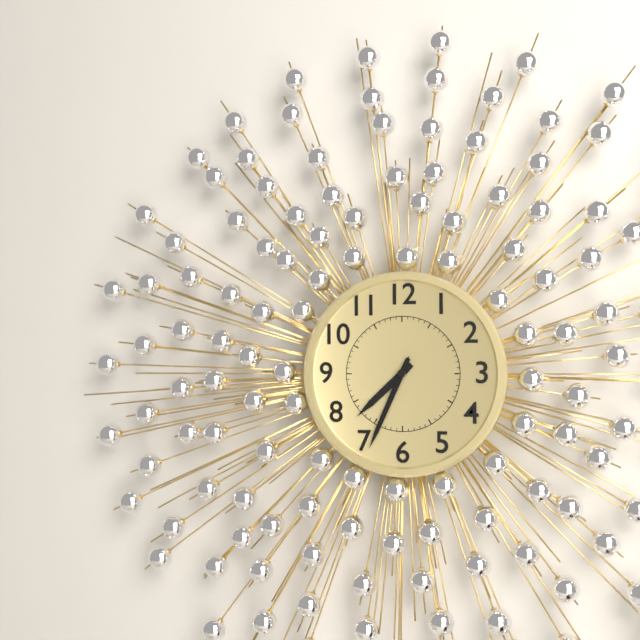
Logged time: 7 h 34 min 34 s
